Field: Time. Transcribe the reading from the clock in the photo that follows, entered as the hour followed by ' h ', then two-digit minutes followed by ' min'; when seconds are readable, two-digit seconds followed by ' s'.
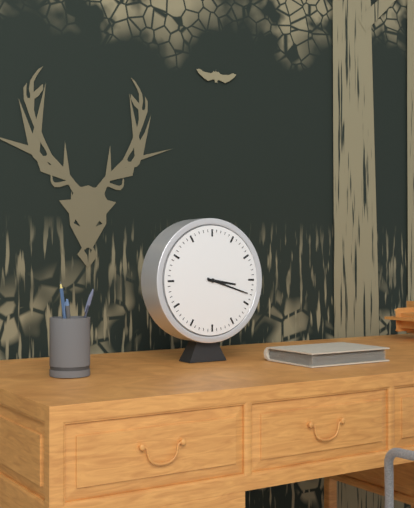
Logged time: 3 h 18 min
